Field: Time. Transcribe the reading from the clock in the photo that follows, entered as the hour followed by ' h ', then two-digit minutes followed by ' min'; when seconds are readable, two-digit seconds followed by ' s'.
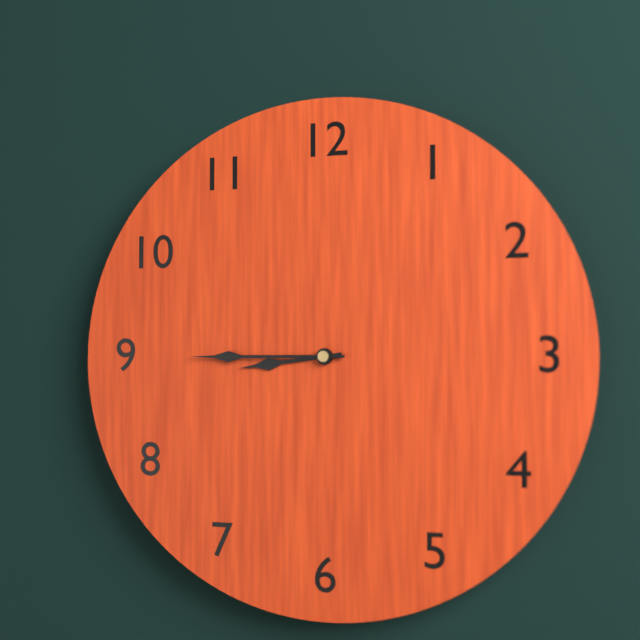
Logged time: 8 h 45 min
